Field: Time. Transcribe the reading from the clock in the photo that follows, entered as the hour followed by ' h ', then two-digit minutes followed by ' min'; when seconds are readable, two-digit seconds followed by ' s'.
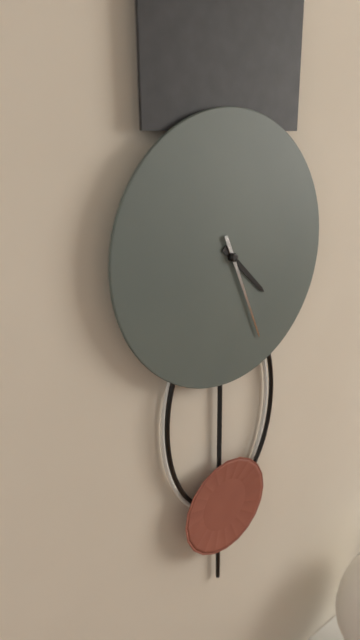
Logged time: 4 h 26 min
